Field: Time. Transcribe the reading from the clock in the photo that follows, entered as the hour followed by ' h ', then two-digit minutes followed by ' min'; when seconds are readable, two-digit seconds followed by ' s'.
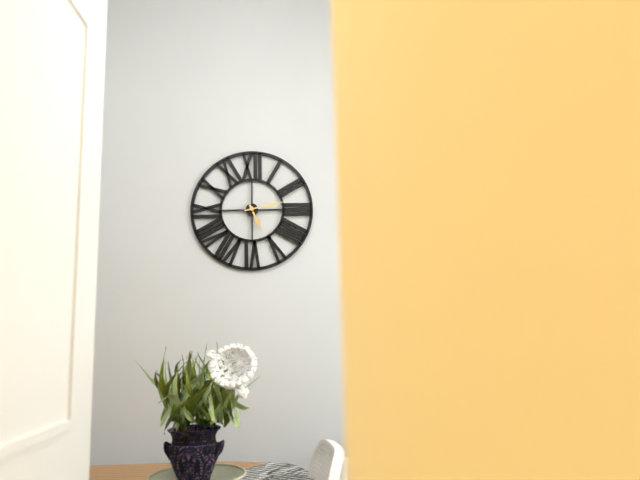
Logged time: 5 h 13 min
